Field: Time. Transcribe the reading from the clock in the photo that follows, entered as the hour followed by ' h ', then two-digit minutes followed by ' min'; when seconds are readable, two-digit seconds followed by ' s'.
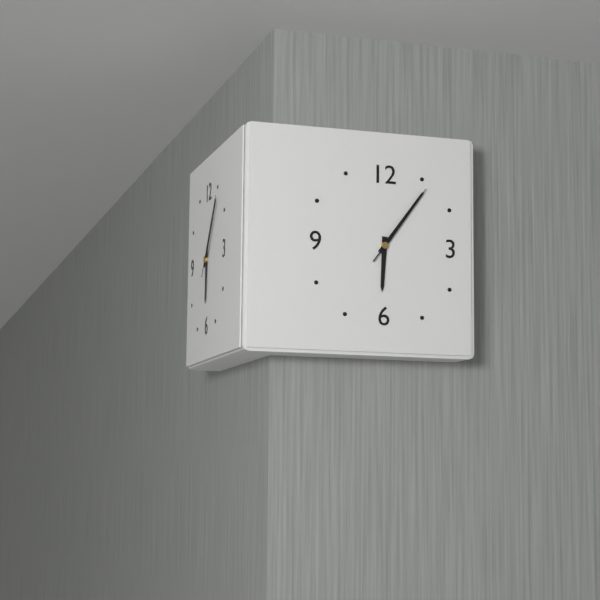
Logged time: 6 h 06 min 06 s
